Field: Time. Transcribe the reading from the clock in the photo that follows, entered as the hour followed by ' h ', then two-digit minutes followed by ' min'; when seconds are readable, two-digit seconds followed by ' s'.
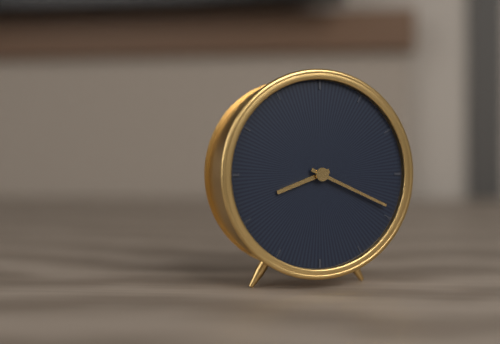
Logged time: 8 h 19 min
